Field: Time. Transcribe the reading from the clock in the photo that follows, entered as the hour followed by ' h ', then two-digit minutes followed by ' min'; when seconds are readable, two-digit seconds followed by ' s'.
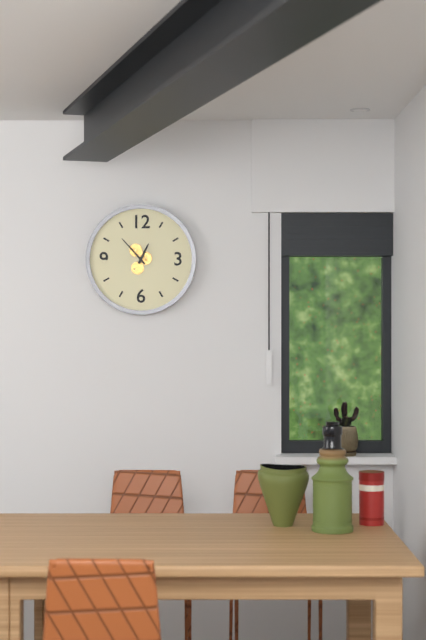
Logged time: 12 h 53 min
